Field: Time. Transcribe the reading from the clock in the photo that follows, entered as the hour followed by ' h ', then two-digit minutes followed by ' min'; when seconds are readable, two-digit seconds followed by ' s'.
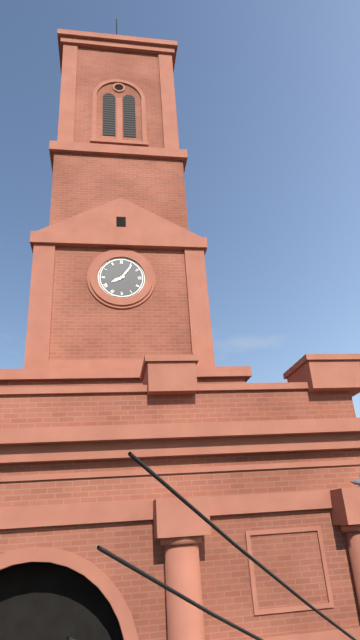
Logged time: 8 h 06 min
